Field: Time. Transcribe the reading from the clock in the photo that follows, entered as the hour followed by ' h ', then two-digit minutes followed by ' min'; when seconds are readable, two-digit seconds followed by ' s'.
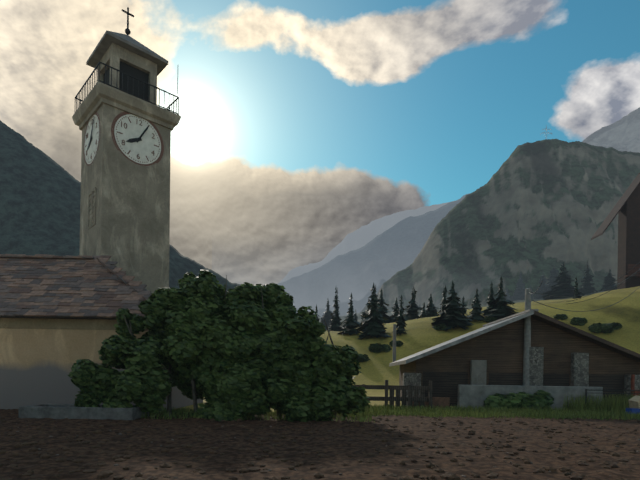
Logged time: 8 h 05 min
